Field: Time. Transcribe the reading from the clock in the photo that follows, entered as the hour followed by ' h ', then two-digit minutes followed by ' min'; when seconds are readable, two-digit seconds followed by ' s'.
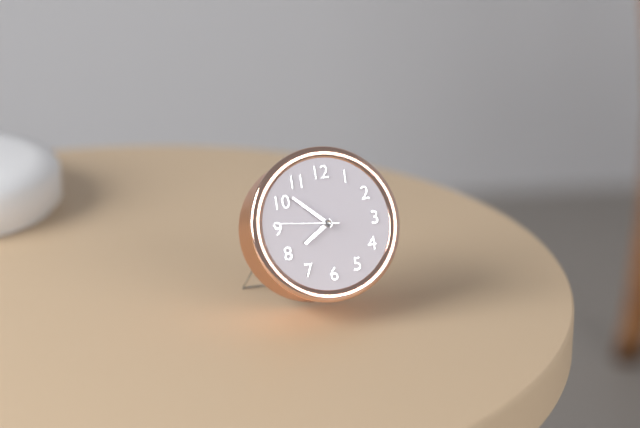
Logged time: 7 h 52 min 46 s
